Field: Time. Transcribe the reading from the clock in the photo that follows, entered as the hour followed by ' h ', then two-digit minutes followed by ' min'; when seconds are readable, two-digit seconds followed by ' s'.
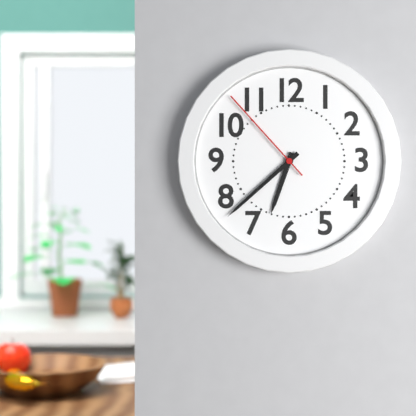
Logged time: 6 h 38 min 53 s
